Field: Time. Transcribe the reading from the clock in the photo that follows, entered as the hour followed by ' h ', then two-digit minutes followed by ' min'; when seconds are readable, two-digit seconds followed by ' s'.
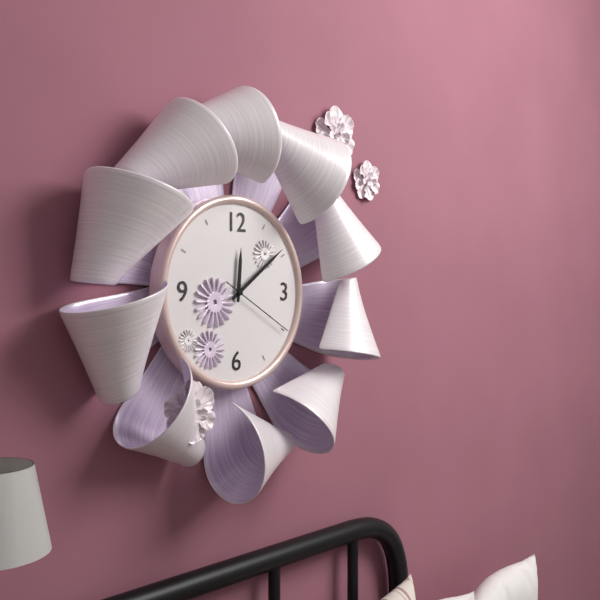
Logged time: 12 h 09 min 20 s
